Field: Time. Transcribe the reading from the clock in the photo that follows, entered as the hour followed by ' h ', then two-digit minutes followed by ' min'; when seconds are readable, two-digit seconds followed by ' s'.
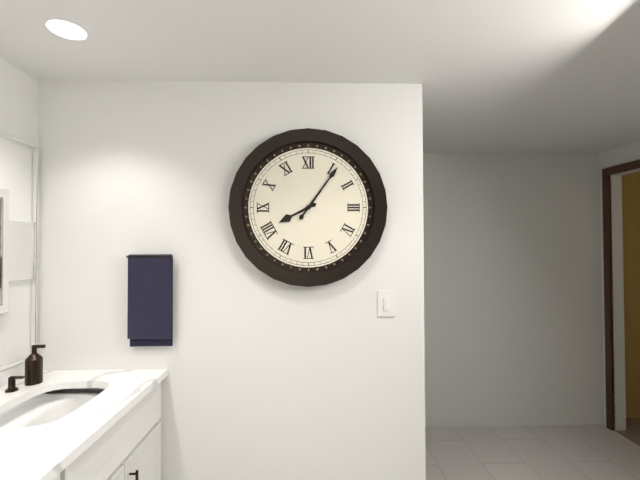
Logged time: 8 h 06 min
